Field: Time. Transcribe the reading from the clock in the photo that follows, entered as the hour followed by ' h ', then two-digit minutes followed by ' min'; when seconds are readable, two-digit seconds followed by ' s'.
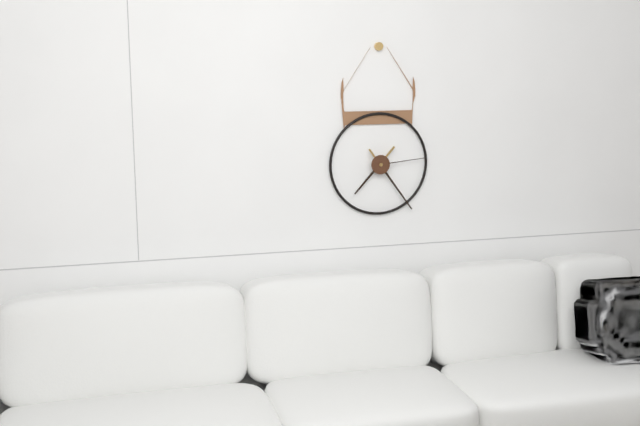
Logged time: 7 h 24 min 14 s
